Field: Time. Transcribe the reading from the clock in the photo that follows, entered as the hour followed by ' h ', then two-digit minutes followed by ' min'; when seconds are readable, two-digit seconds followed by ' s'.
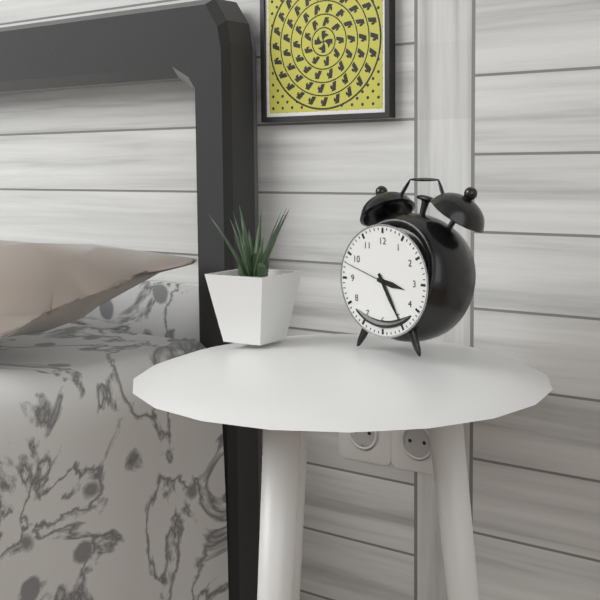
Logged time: 3 h 25 min 48 s
